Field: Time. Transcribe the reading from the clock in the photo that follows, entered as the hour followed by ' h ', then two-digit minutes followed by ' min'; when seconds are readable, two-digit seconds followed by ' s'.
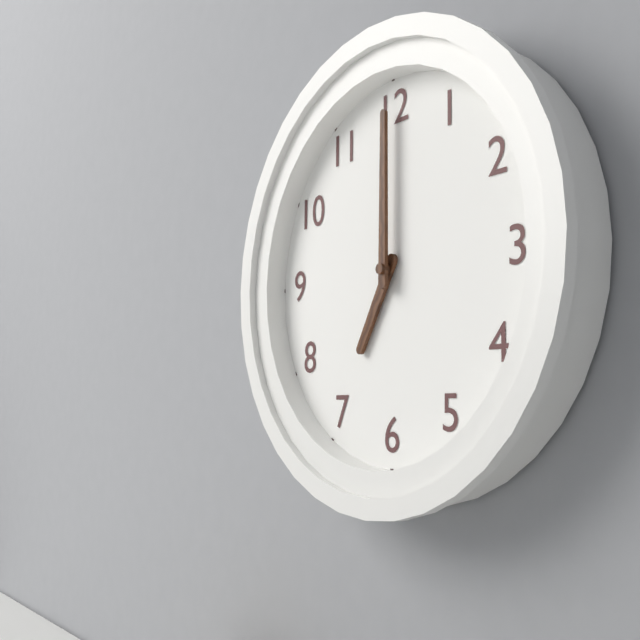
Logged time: 7 h 00 min
